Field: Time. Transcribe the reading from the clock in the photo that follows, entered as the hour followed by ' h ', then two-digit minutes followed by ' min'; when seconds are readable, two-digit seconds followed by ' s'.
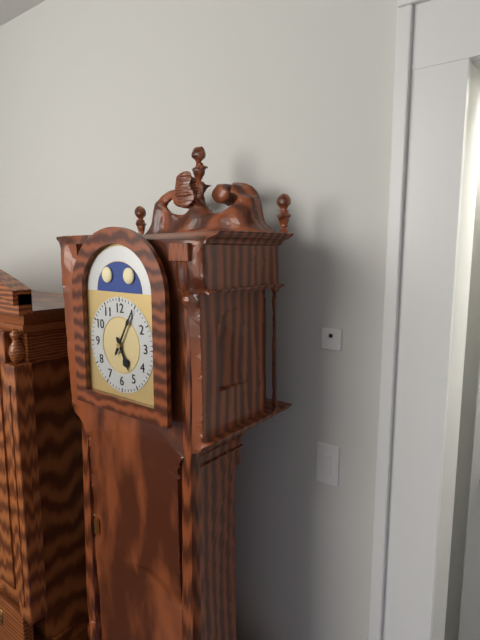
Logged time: 5 h 05 min
